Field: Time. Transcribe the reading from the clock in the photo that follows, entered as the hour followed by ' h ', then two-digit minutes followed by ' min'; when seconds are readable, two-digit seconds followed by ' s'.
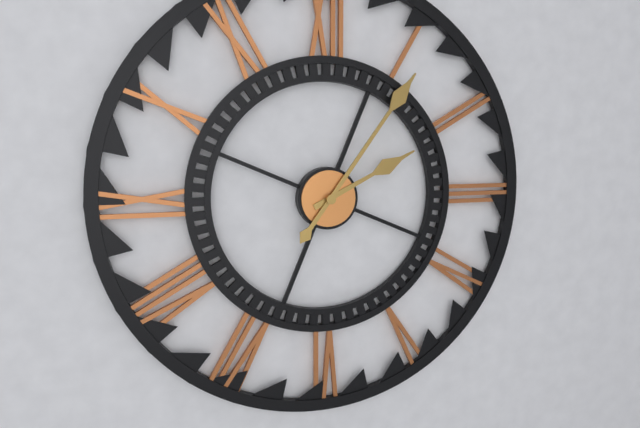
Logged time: 2 h 06 min
